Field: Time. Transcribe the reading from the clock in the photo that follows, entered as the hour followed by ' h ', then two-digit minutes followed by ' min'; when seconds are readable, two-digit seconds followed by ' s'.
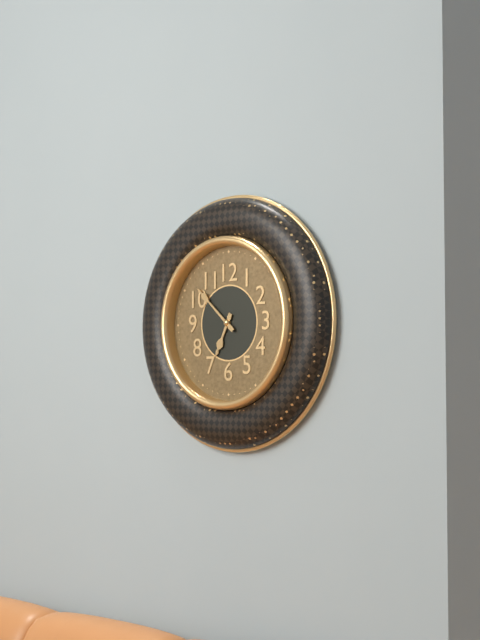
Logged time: 6 h 52 min
